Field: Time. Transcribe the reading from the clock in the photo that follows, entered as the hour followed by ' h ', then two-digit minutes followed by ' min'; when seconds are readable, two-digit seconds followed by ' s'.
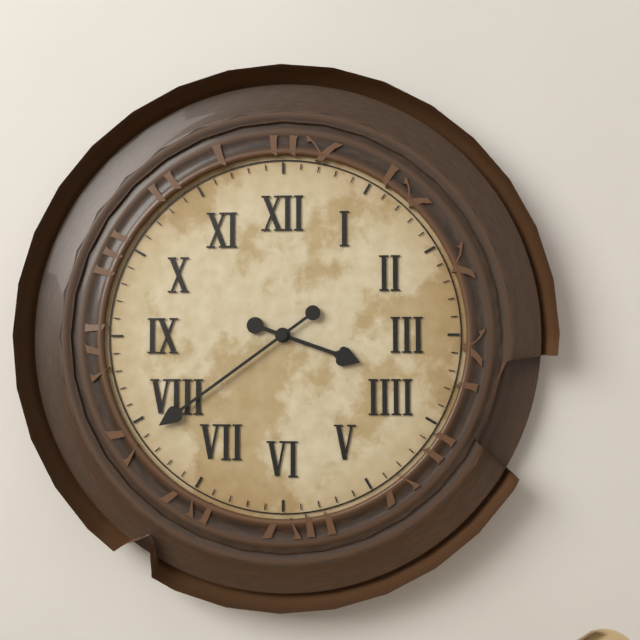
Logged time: 3 h 39 min
